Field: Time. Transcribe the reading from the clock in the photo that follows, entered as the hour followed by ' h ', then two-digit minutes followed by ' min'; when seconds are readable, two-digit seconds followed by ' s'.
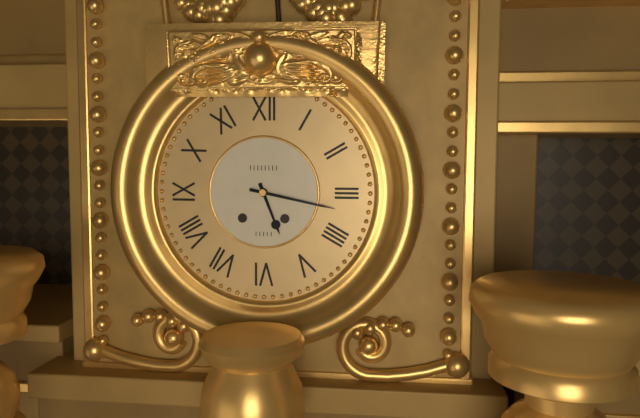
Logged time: 5 h 17 min
